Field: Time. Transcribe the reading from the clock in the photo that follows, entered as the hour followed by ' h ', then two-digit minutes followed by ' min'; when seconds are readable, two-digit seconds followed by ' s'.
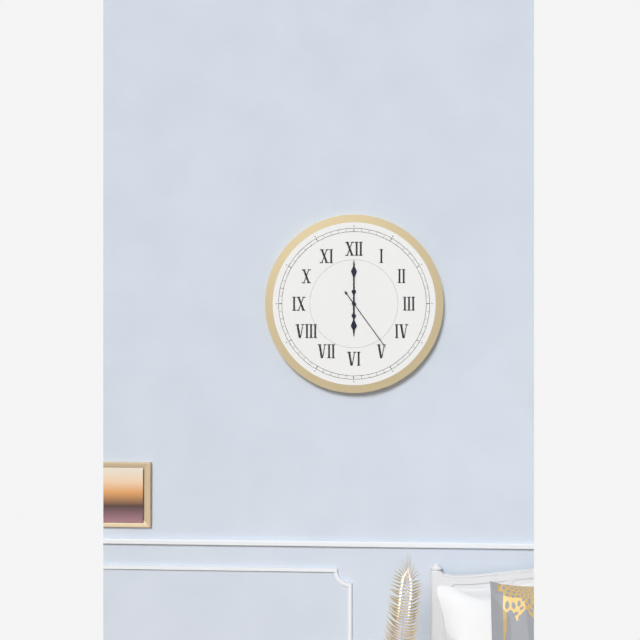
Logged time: 6 h 00 min 24 s
